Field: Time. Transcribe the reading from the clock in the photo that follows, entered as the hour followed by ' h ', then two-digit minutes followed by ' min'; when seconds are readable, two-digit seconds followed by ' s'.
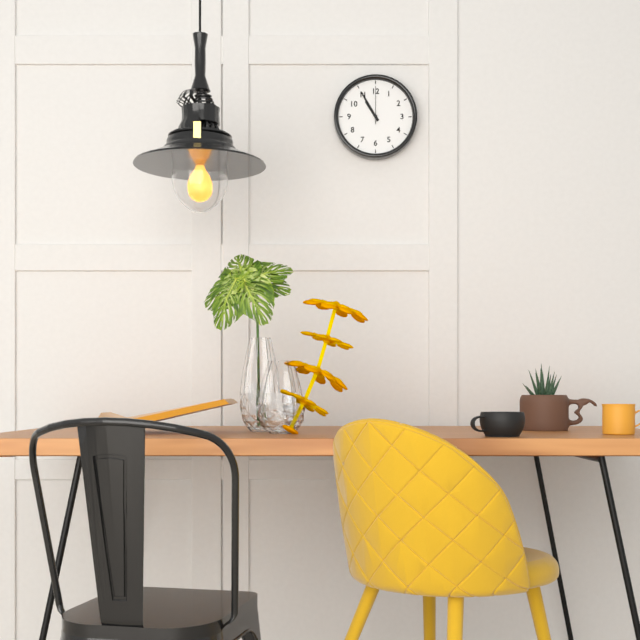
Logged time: 10 h 55 min
